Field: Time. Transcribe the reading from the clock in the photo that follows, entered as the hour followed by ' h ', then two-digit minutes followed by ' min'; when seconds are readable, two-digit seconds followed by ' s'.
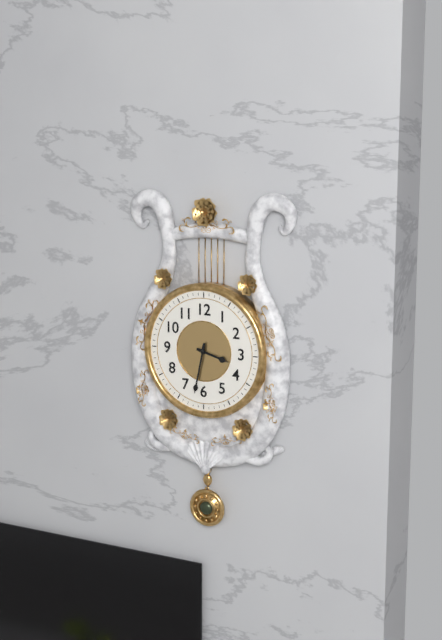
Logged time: 3 h 32 min
